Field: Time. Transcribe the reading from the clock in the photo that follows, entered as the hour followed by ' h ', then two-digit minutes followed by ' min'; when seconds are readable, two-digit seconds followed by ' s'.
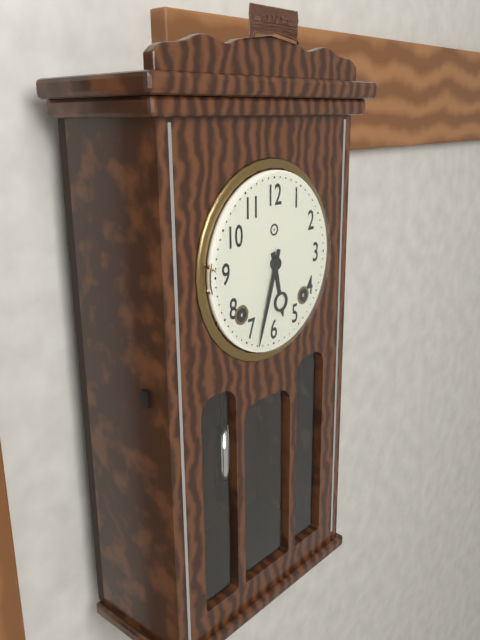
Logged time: 5 h 33 min
